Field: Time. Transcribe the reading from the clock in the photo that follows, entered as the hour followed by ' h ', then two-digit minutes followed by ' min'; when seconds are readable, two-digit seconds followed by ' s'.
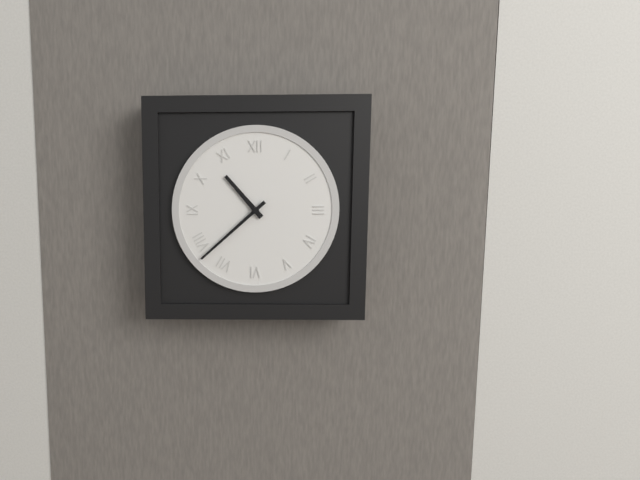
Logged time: 10 h 38 min
